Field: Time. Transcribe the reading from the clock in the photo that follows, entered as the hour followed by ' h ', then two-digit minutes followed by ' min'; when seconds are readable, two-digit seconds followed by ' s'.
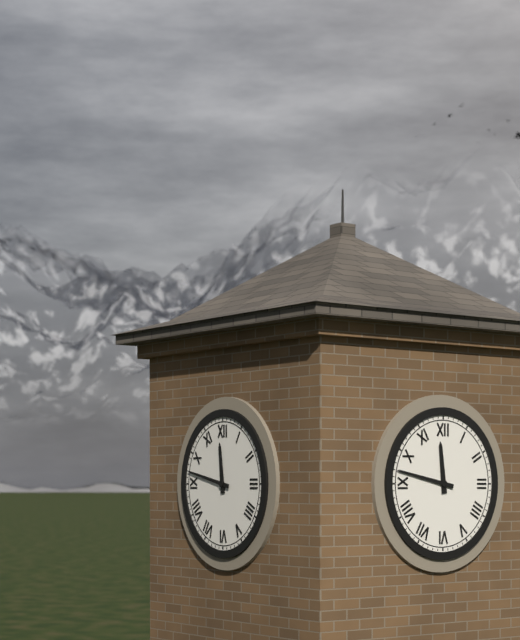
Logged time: 11 h 47 min
